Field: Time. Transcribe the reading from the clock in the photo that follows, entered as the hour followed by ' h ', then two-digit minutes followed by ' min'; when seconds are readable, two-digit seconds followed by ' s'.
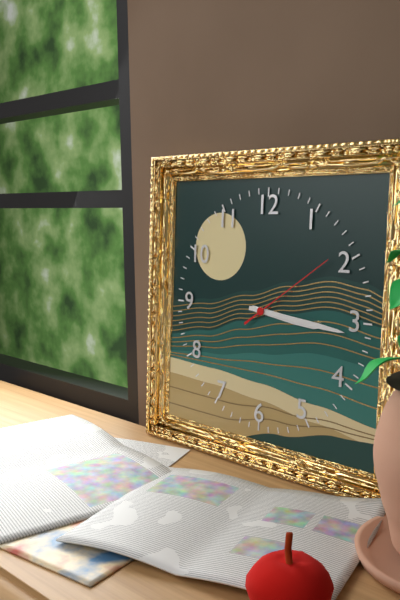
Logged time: 3 h 16 min 09 s
